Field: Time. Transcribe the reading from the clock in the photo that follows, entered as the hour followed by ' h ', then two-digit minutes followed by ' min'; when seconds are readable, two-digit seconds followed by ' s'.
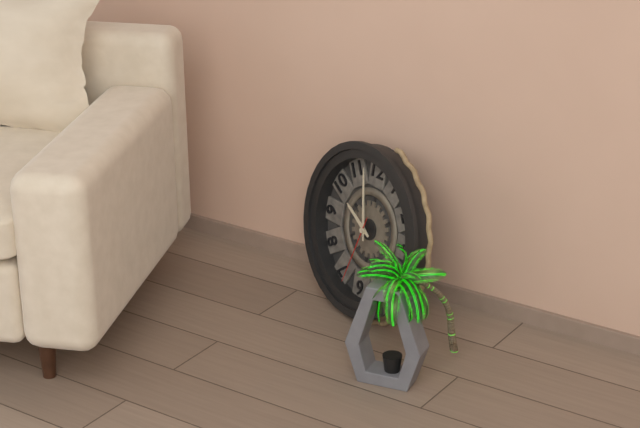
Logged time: 9 h 58 min 33 s
